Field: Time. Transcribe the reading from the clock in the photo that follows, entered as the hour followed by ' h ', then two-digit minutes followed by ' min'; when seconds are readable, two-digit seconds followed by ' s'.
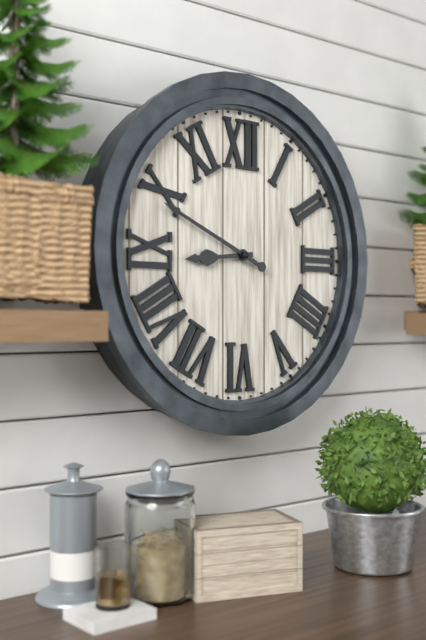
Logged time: 8 h 49 min
